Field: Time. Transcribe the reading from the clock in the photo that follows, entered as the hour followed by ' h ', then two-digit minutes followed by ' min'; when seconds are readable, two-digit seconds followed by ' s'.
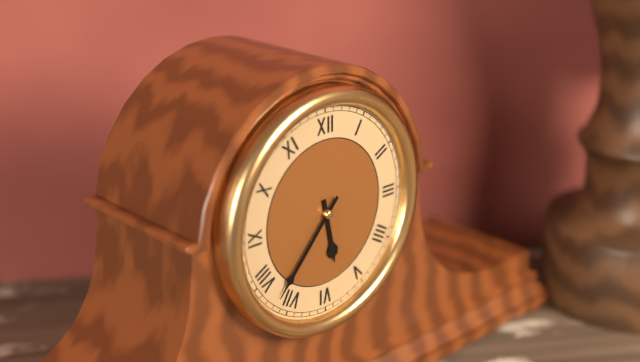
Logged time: 5 h 37 min
